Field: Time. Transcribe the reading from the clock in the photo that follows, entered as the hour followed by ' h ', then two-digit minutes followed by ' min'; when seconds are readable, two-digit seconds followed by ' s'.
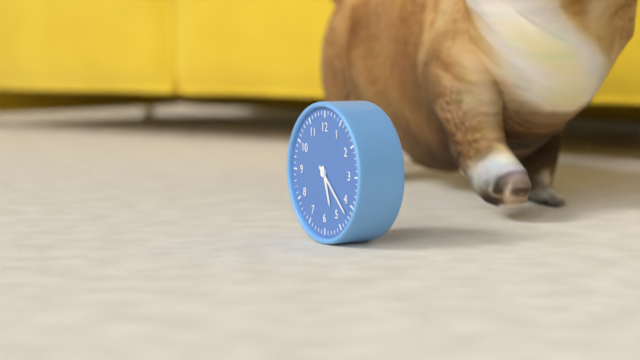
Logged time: 5 h 22 min
